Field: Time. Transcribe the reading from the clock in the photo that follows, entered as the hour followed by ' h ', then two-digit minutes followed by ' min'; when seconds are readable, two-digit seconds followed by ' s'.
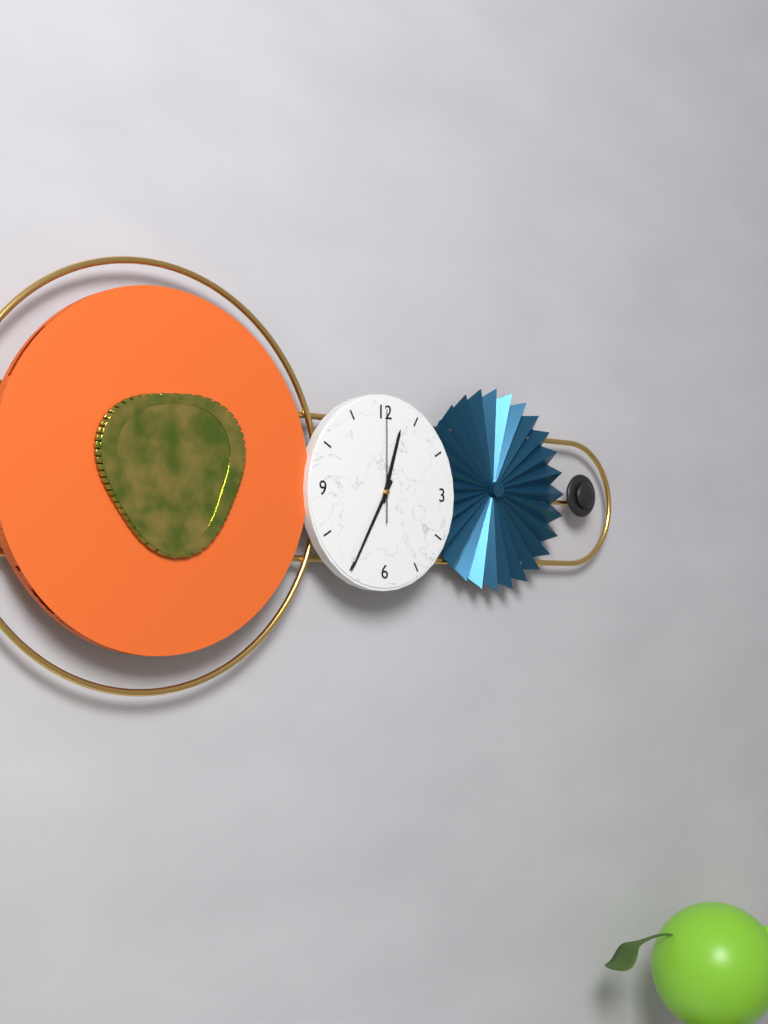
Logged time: 12 h 35 min 00 s
